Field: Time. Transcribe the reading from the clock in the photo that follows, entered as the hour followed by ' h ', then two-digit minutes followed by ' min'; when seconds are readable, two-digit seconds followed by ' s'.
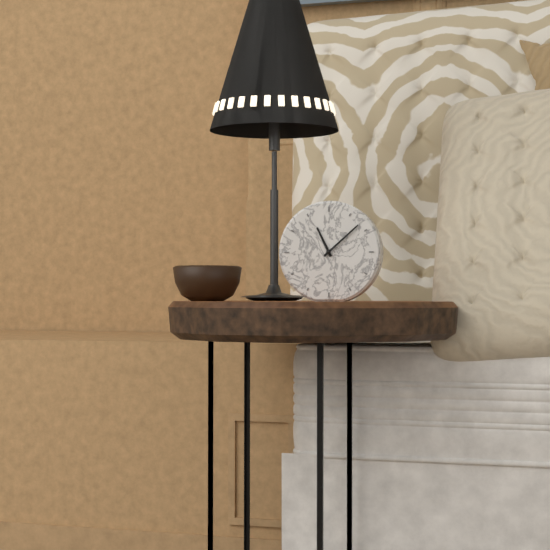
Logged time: 11 h 08 min
